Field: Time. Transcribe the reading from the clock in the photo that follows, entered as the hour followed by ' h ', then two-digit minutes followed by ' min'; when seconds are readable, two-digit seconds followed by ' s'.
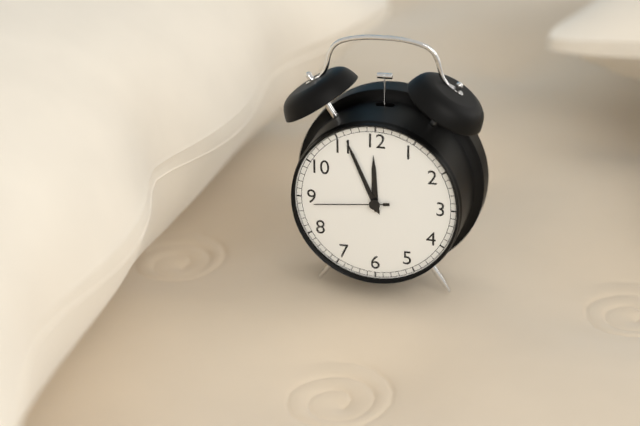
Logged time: 11 h 56 min 44 s
